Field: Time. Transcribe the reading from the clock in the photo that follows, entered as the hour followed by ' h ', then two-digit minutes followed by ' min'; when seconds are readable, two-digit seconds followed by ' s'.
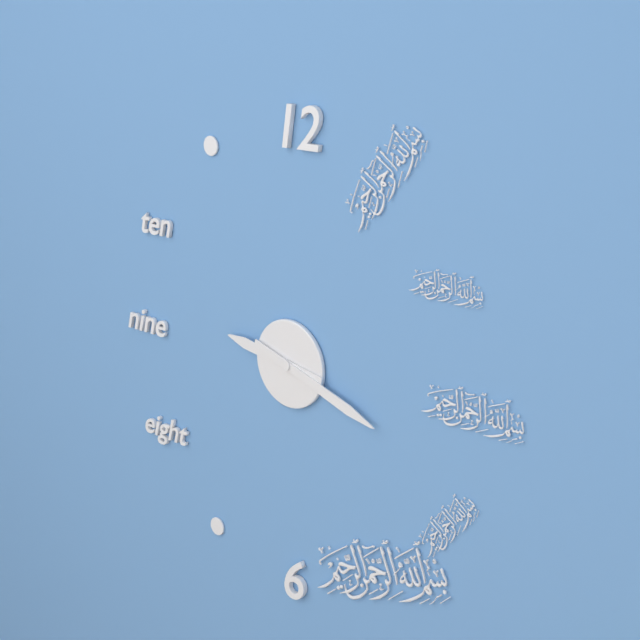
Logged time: 9 h 18 min
